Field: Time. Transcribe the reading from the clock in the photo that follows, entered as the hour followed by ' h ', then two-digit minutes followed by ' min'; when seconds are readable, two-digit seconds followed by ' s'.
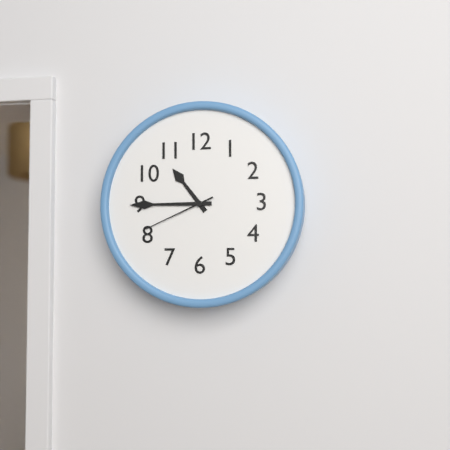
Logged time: 10 h 45 min 41 s
